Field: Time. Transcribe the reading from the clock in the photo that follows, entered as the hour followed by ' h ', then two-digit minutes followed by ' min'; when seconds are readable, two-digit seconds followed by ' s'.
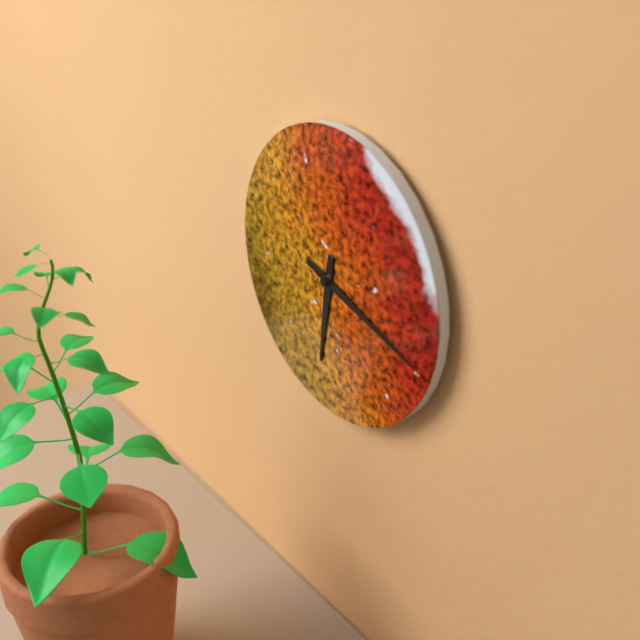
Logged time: 6 h 18 min
